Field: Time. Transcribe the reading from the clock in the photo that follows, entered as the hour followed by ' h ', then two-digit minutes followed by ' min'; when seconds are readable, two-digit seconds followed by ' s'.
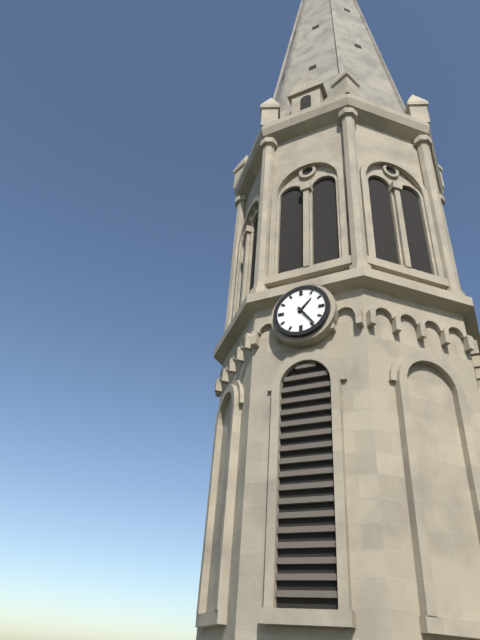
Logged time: 1 h 24 min
